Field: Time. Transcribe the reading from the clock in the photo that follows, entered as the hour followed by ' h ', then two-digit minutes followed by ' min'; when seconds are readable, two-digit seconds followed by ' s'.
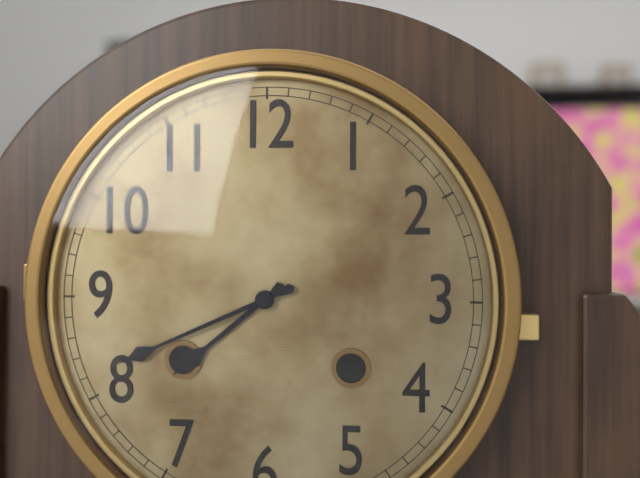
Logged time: 7 h 41 min
